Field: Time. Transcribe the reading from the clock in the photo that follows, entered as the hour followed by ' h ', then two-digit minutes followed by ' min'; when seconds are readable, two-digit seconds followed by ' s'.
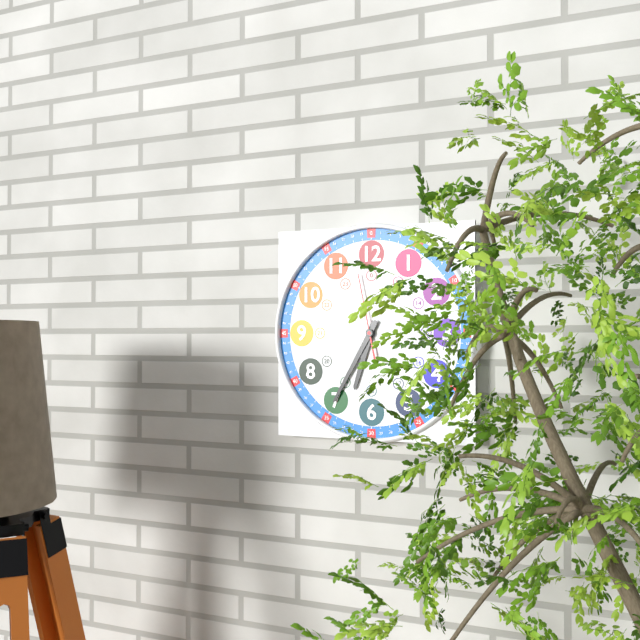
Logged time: 6 h 35 min 58 s
